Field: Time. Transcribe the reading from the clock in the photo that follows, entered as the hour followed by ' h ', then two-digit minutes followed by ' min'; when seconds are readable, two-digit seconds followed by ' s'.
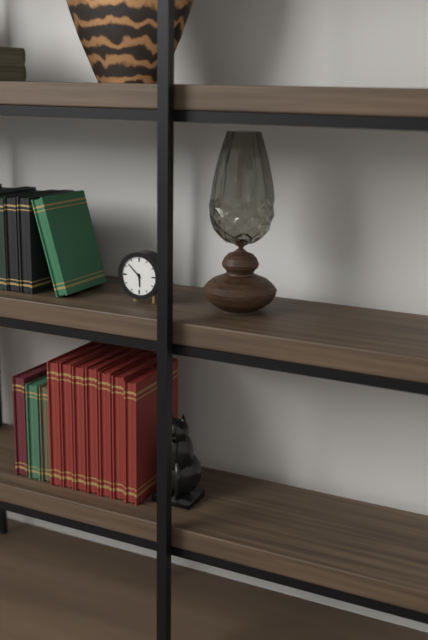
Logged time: 5 h 52 min
